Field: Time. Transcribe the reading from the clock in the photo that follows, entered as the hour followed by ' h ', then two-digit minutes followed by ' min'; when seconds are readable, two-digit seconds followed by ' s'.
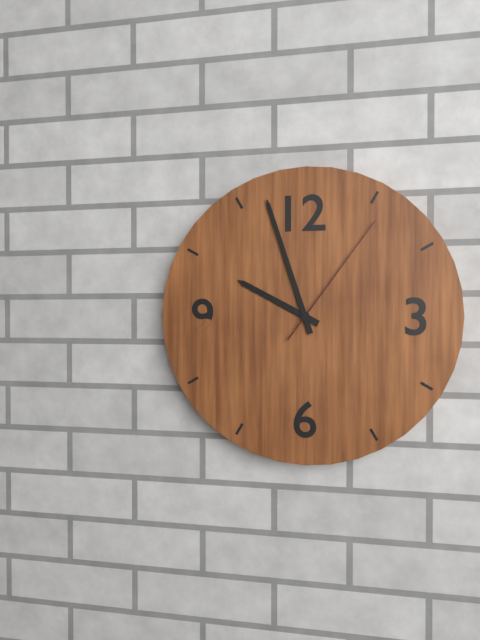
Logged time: 9 h 57 min 06 s
